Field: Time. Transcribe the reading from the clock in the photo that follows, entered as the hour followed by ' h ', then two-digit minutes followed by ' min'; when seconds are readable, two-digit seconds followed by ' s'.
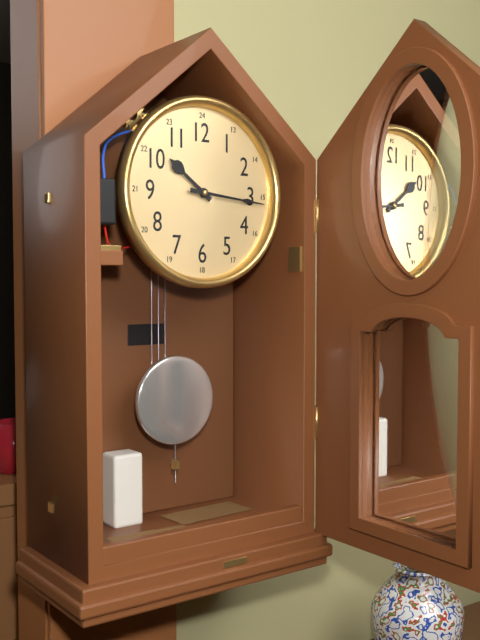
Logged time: 10 h 16 min
